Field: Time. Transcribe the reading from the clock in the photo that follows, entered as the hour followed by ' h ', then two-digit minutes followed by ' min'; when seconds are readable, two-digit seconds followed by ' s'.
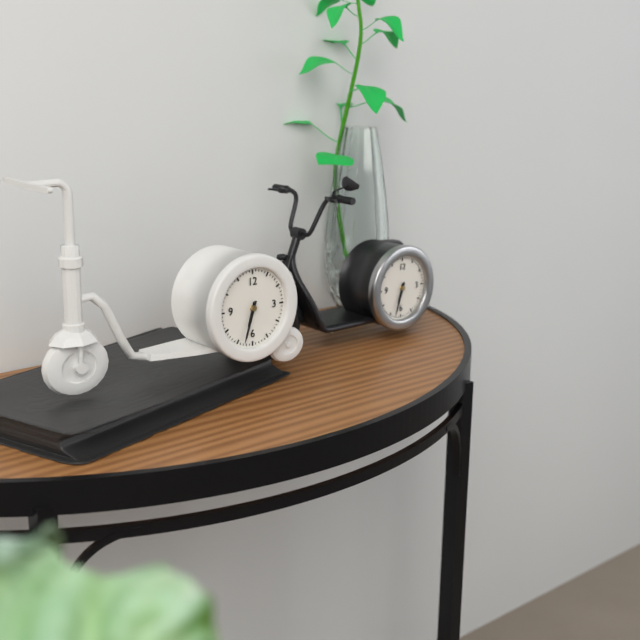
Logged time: 6 h 33 min
